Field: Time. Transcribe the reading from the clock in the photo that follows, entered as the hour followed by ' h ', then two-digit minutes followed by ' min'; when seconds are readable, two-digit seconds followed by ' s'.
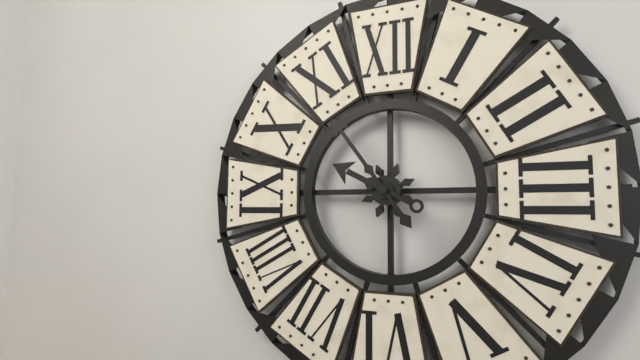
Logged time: 9 h 54 min
